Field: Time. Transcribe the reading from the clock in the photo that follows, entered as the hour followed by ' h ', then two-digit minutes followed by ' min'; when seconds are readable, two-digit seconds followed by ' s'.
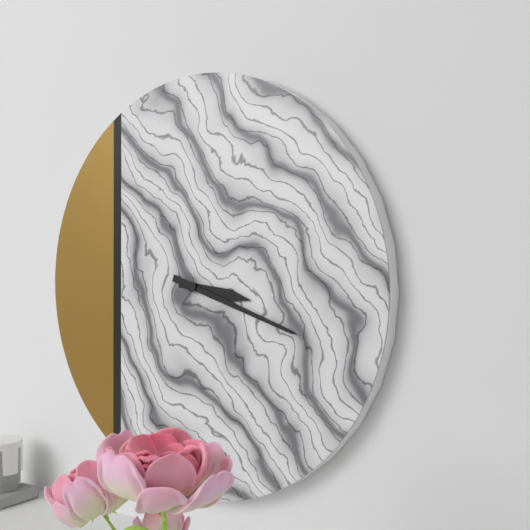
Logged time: 3 h 18 min
